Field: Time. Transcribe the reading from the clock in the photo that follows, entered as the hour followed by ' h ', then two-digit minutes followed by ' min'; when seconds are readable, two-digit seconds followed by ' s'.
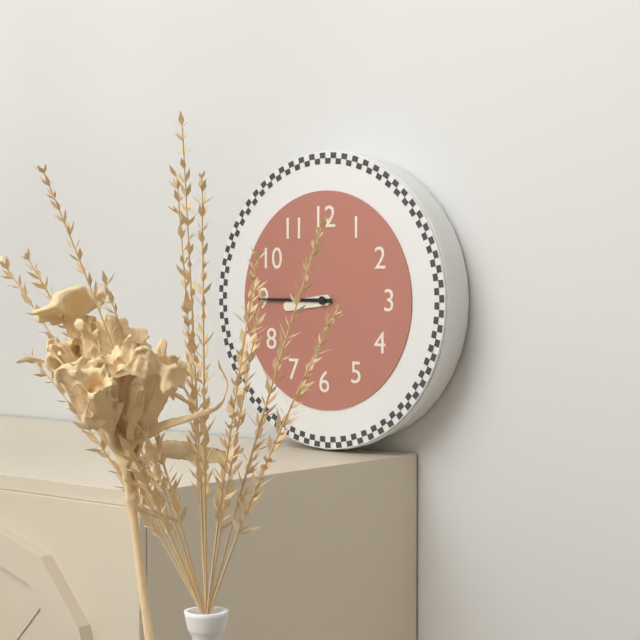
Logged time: 8 h 45 min
